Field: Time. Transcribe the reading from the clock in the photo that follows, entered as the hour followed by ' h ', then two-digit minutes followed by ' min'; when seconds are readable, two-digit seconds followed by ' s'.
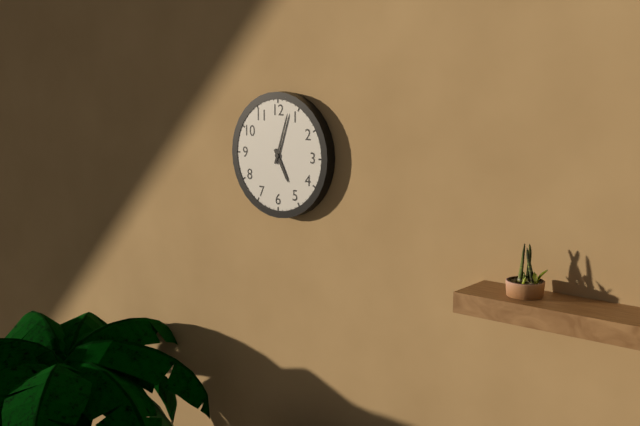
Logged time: 5 h 03 min
